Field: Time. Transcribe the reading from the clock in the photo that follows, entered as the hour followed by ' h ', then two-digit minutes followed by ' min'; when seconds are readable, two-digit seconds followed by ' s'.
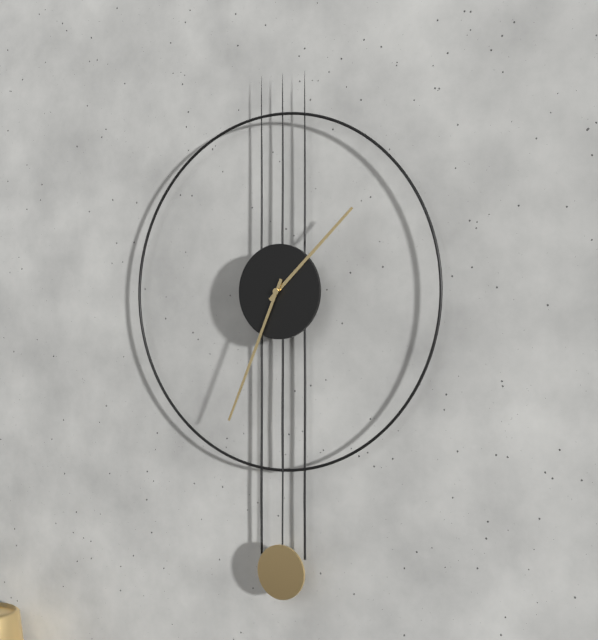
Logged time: 1 h 34 min
